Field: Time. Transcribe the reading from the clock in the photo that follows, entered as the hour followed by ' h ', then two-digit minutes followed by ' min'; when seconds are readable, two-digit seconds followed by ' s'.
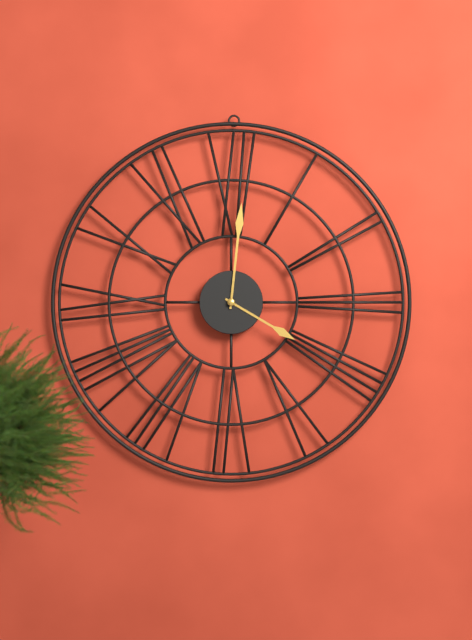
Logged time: 4 h 01 min
